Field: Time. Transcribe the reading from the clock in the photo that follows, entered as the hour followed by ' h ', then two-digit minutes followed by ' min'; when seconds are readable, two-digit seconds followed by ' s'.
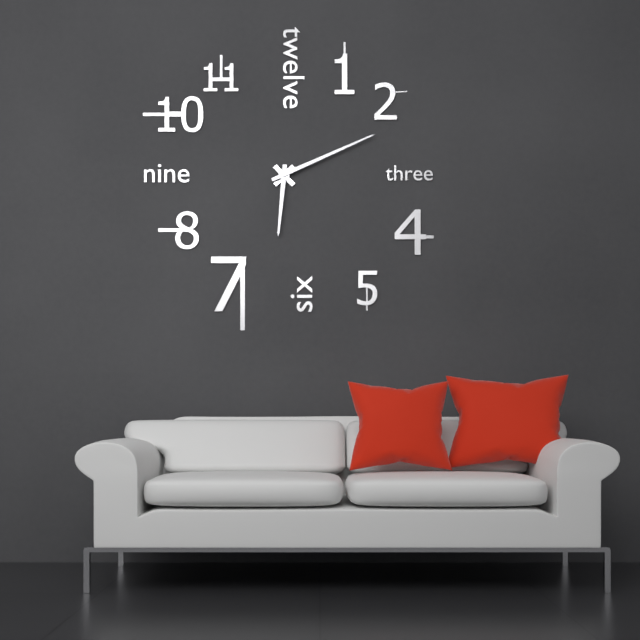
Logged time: 6 h 11 min
